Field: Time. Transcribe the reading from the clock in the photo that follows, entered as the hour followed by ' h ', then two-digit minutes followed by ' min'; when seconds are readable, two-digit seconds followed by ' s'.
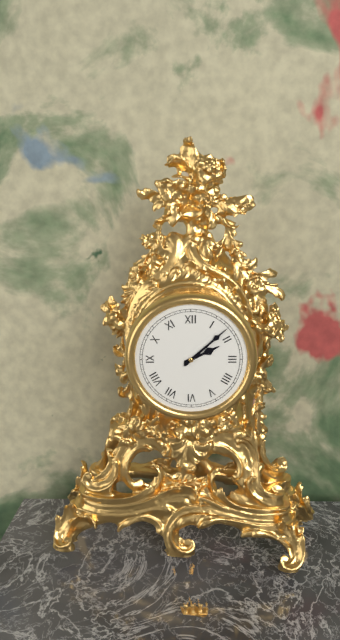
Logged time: 2 h 08 min
